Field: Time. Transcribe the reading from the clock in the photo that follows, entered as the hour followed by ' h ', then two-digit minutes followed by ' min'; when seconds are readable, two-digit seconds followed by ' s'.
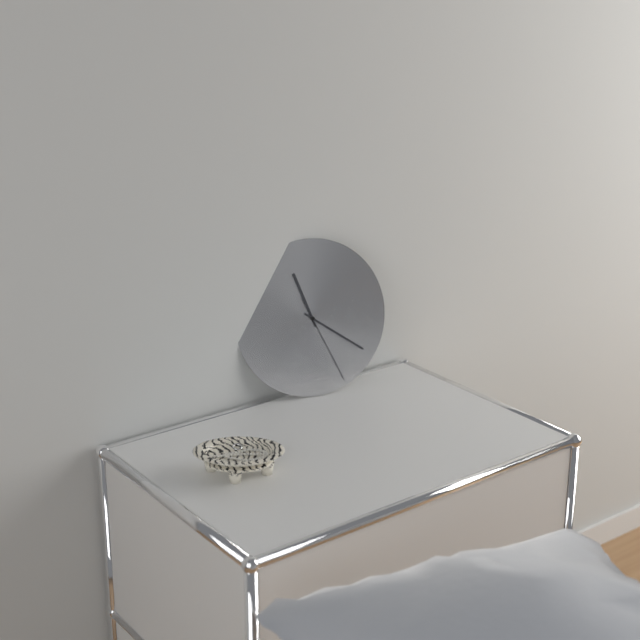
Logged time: 11 h 21 min 26 s
